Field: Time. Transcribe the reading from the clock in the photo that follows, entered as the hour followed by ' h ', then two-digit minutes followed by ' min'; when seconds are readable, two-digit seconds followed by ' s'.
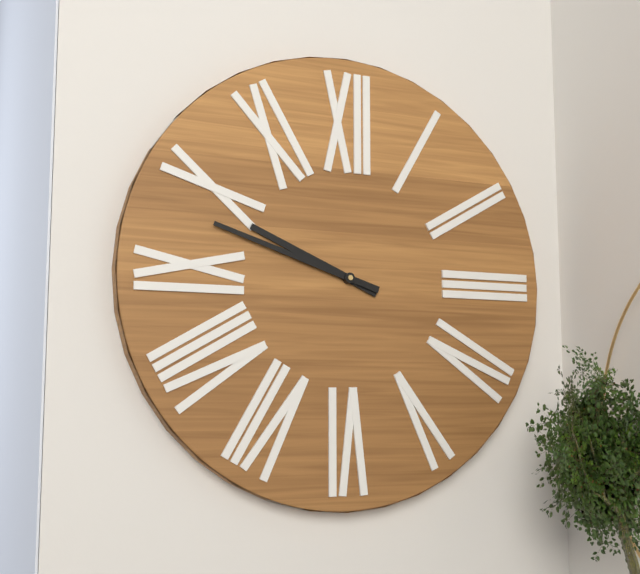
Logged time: 9 h 48 min
